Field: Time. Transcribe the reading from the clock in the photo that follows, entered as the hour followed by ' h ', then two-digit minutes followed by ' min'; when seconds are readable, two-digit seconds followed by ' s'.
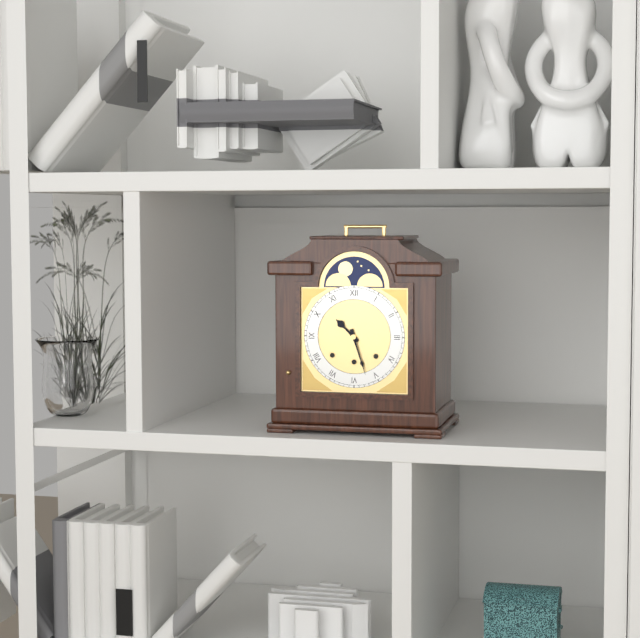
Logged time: 10 h 27 min
